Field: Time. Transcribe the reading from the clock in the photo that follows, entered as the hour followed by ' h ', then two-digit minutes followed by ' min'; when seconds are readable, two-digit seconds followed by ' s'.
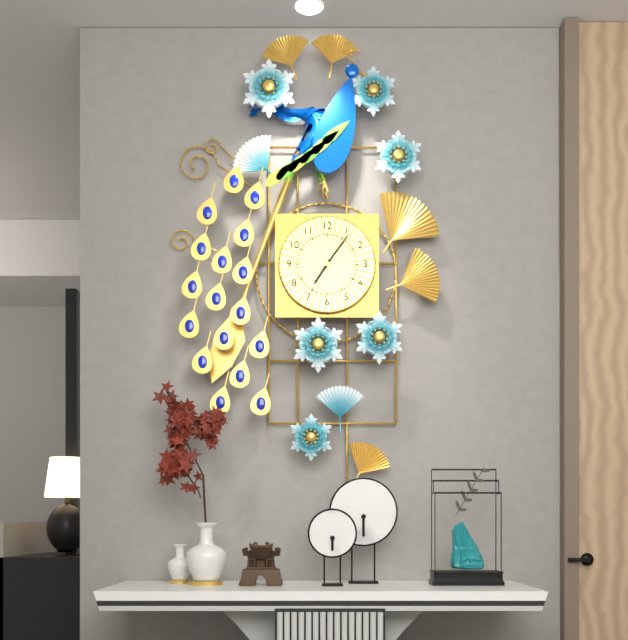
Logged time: 7 h 06 min
